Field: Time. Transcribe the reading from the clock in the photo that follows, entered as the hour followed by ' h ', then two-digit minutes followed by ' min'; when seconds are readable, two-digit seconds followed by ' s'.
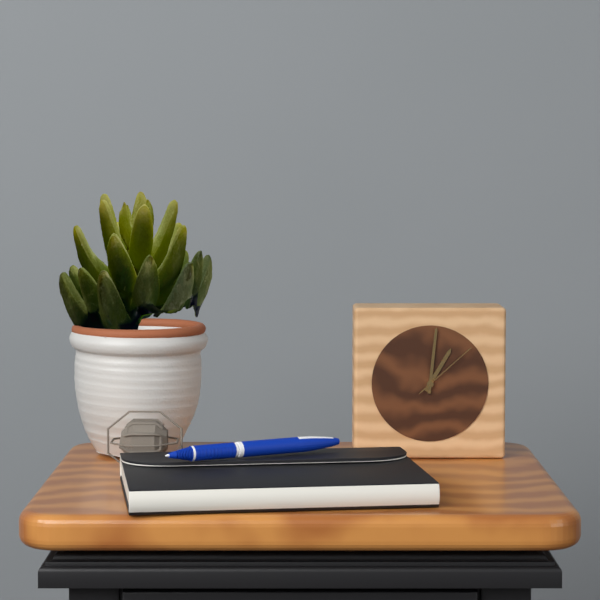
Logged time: 1 h 01 min 08 s
